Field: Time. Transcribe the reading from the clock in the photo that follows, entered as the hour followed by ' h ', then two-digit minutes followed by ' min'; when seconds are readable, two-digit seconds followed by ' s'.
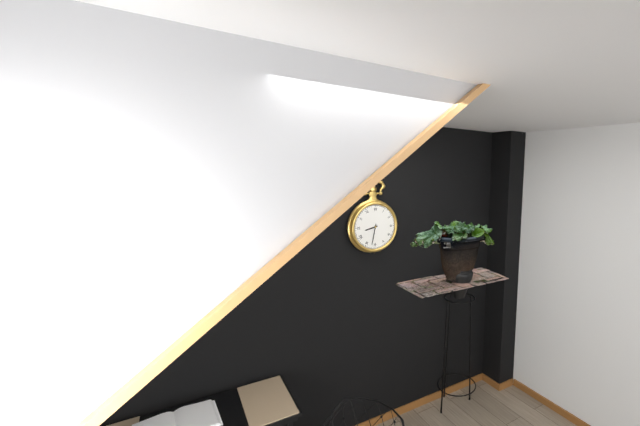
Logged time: 8 h 32 min
